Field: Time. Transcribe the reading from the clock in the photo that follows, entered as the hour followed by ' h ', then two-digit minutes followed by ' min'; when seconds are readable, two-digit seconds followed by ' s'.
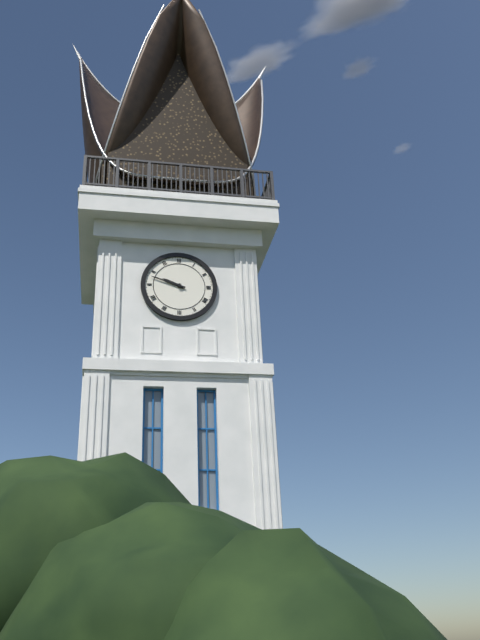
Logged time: 9 h 48 min
